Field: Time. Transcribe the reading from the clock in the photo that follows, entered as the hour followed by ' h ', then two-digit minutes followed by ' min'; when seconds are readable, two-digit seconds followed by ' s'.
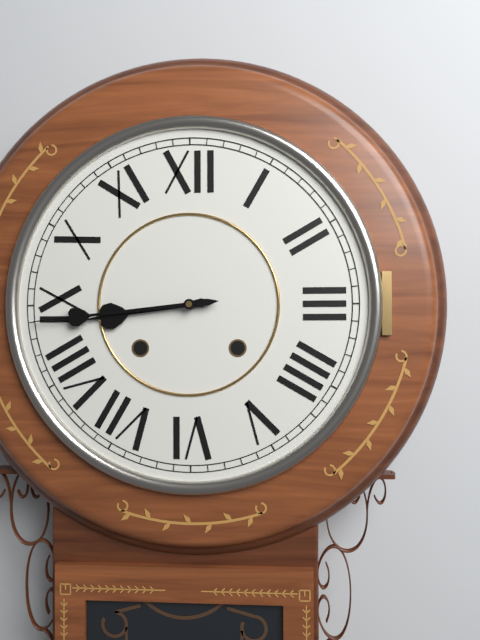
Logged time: 8 h 44 min
